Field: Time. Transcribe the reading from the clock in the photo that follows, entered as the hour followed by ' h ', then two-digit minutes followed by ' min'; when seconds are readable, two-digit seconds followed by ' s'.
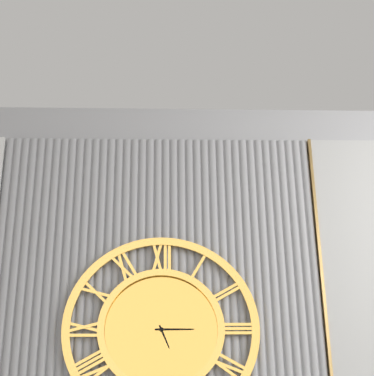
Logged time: 5 h 15 min
